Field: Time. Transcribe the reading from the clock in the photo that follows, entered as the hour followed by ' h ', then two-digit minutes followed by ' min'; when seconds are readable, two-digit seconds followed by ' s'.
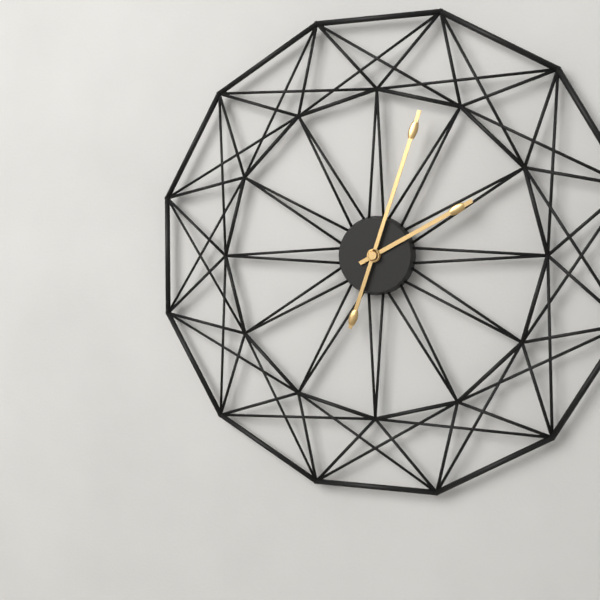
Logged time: 2 h 03 min
